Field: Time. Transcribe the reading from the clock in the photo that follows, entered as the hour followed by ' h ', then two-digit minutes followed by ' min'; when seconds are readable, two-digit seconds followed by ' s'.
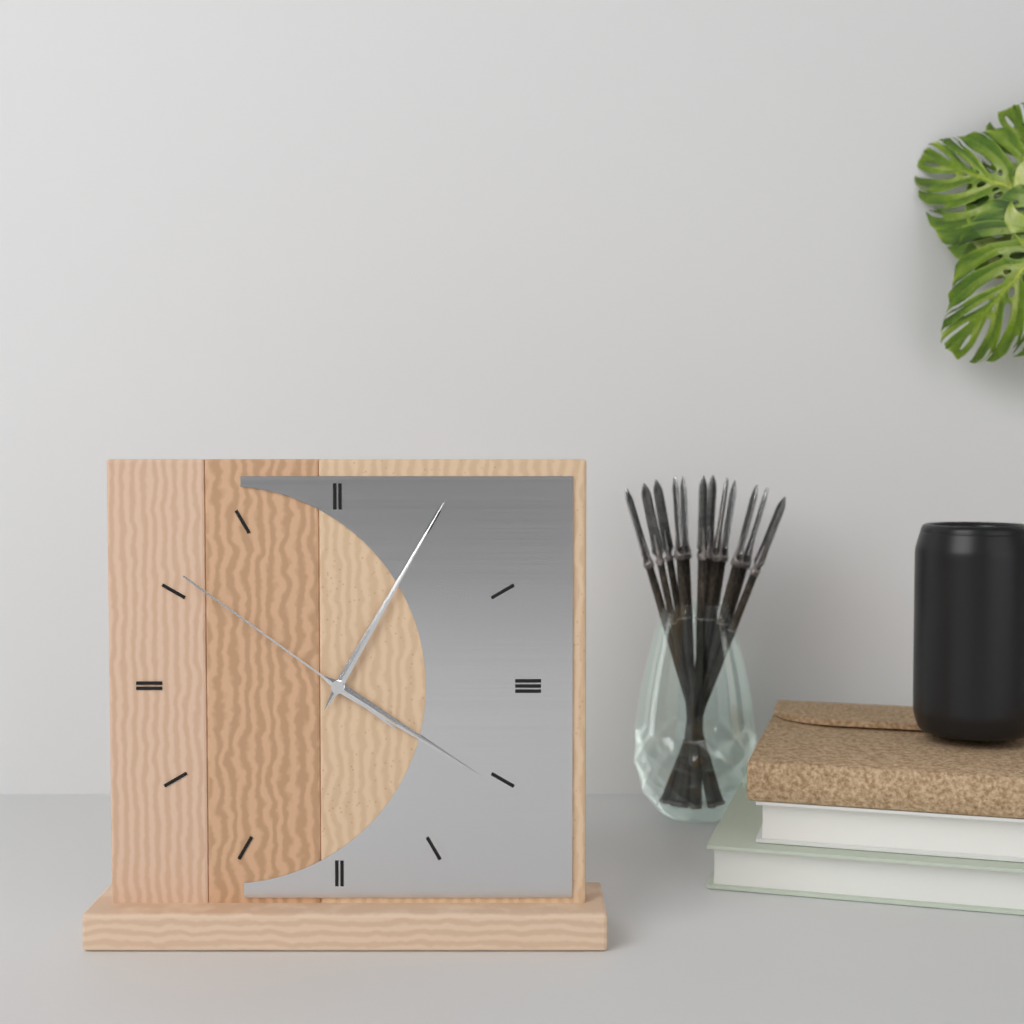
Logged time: 4 h 05 min 51 s
